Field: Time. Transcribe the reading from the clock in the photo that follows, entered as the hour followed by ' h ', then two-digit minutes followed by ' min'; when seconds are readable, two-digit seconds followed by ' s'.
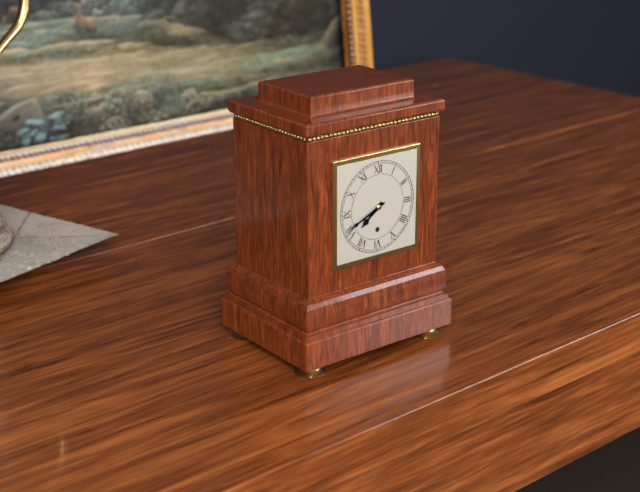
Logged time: 7 h 41 min
